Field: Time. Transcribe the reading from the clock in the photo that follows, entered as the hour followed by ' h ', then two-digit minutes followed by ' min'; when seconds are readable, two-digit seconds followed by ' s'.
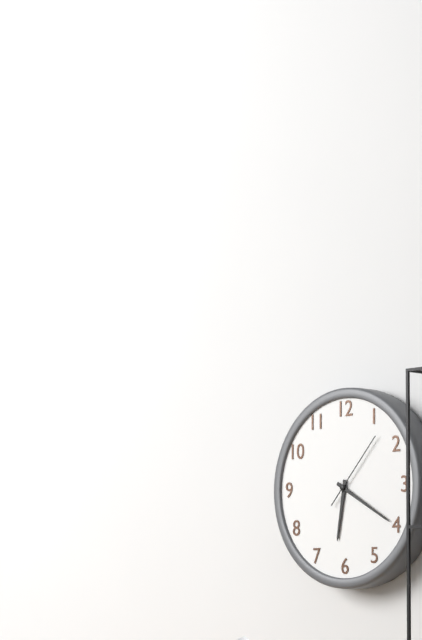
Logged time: 6 h 20 min 07 s
